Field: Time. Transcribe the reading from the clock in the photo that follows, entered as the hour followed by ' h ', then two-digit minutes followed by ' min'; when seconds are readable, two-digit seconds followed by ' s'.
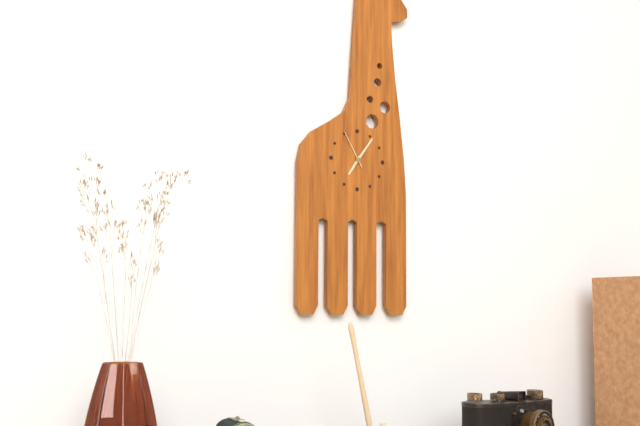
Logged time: 7 h 06 min
